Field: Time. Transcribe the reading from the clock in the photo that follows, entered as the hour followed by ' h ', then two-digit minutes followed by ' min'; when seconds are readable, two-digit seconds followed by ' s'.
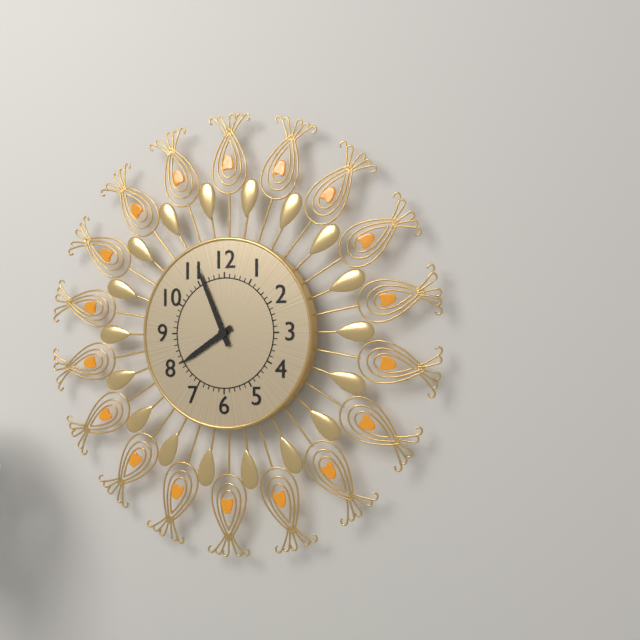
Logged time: 7 h 56 min
